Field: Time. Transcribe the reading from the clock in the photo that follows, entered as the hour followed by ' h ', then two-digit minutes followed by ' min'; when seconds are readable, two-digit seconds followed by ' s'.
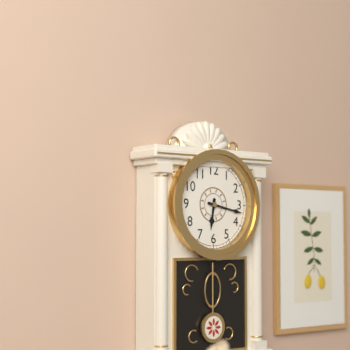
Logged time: 6 h 17 min
